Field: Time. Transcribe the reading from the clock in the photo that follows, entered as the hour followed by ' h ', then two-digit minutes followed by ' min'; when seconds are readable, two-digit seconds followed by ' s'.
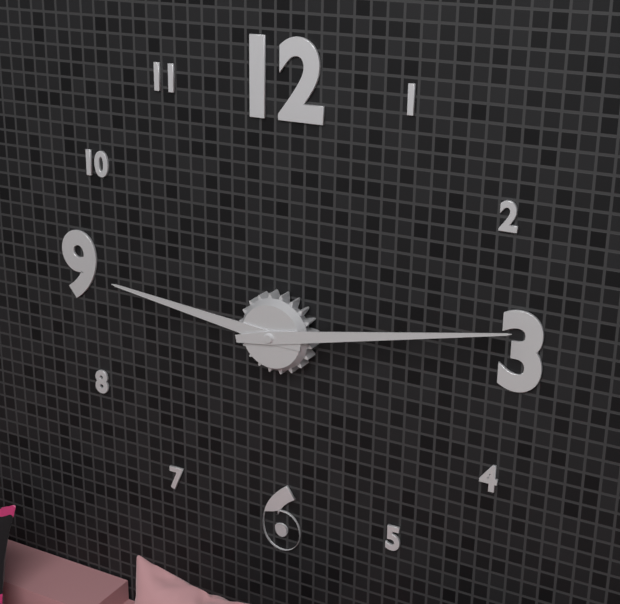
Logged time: 9 h 13 min
